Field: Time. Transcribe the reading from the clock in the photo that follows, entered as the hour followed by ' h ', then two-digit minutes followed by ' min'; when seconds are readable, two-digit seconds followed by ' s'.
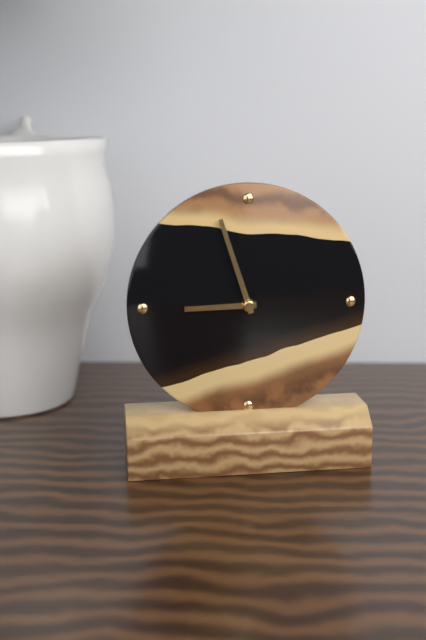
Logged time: 8 h 57 min
